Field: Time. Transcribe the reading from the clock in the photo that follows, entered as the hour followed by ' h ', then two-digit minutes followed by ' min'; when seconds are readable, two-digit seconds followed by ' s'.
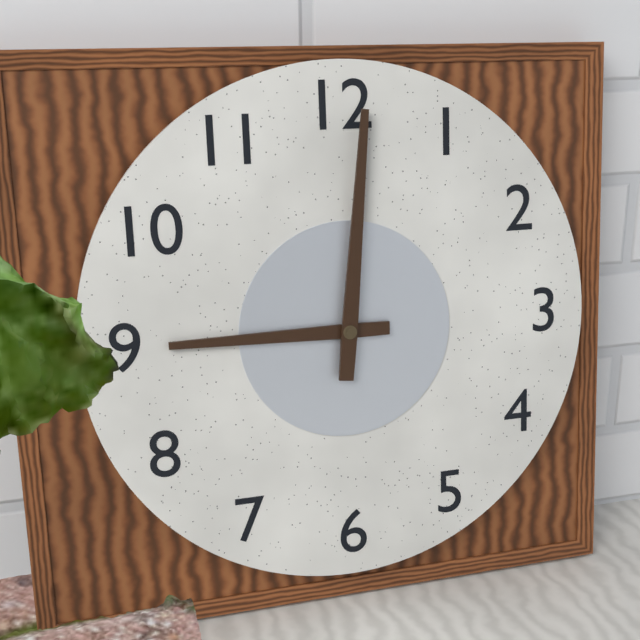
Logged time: 9 h 01 min
